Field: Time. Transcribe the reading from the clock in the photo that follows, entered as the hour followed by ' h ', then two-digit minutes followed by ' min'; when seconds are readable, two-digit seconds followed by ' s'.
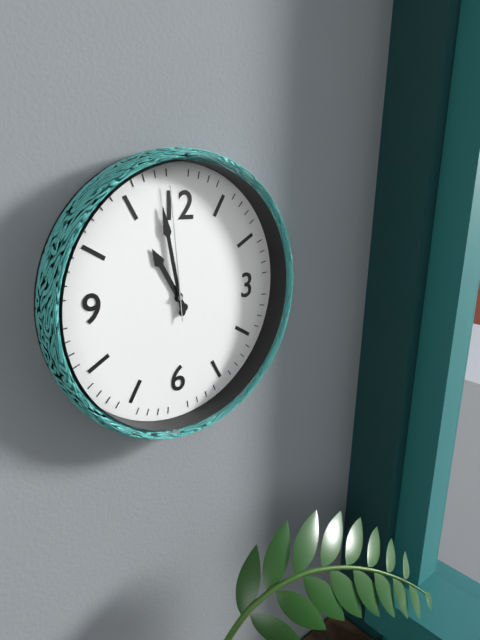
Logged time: 10 h 58 min 59 s
